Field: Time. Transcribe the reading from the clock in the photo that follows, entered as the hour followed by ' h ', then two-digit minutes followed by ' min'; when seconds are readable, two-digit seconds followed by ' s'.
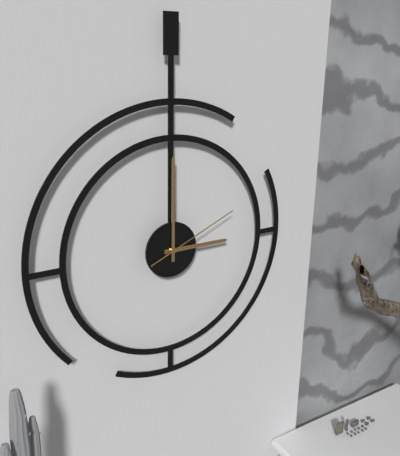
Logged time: 3 h 00 min 11 s
